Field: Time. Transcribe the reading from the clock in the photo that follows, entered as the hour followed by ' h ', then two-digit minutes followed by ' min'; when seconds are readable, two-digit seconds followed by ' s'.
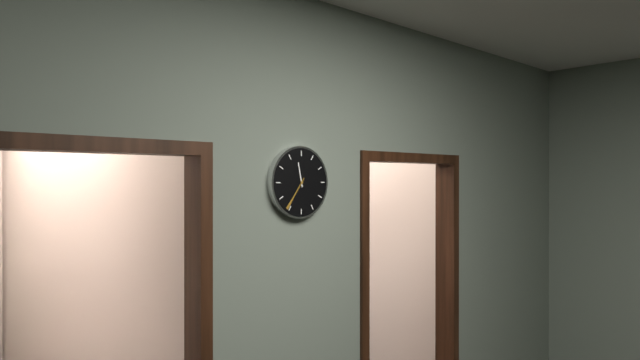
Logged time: 11 h 36 min
